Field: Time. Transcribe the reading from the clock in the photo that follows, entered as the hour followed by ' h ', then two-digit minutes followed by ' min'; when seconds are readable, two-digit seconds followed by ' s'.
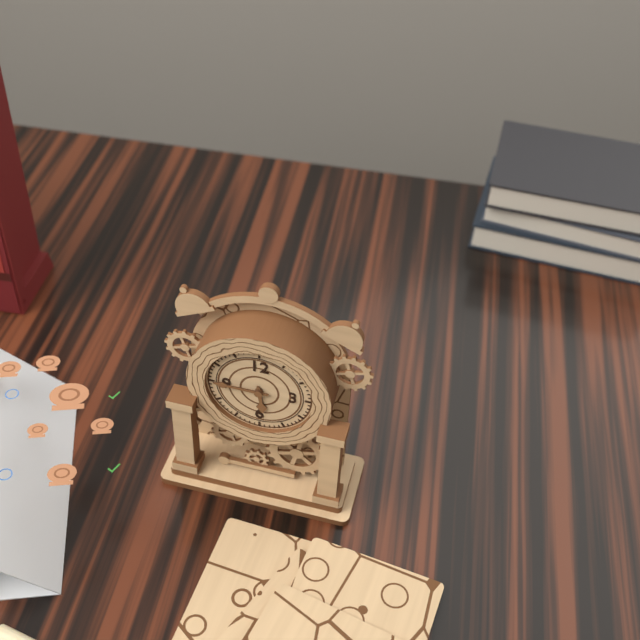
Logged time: 5 h 45 min
